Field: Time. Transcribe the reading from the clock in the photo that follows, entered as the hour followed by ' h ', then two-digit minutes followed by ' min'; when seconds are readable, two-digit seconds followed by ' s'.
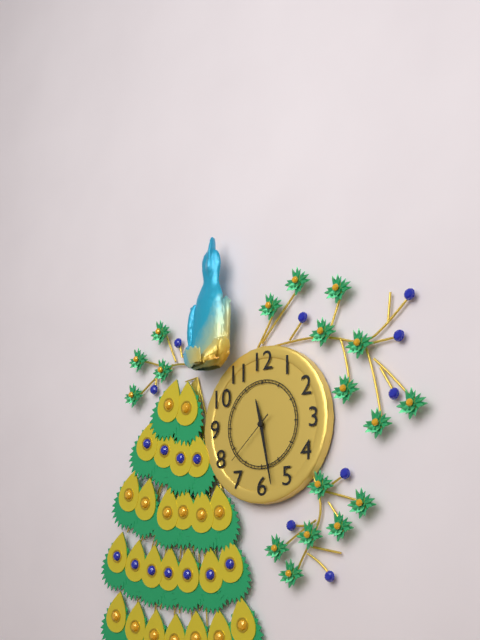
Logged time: 11 h 28 min 38 s
